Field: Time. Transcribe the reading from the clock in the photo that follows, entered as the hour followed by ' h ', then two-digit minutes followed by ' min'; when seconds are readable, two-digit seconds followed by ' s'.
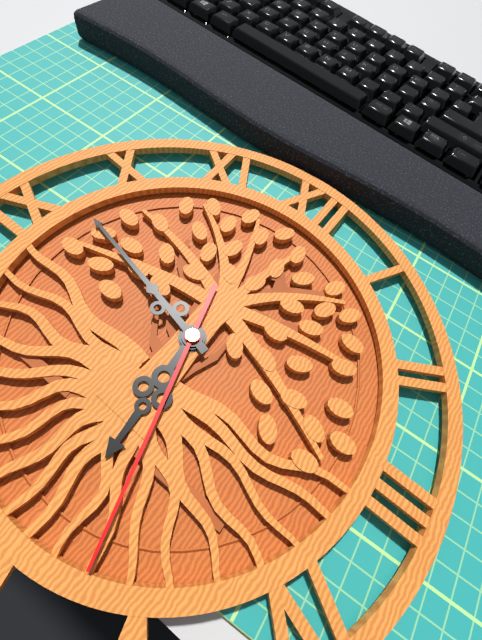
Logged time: 5 h 47 min 27 s
